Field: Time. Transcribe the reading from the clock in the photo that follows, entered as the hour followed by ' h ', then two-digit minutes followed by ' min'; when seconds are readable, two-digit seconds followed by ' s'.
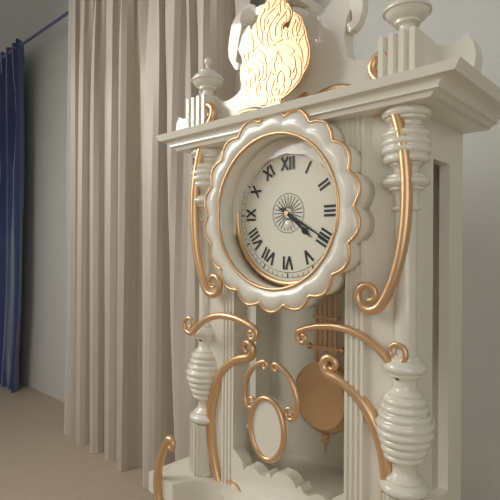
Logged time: 4 h 20 min
